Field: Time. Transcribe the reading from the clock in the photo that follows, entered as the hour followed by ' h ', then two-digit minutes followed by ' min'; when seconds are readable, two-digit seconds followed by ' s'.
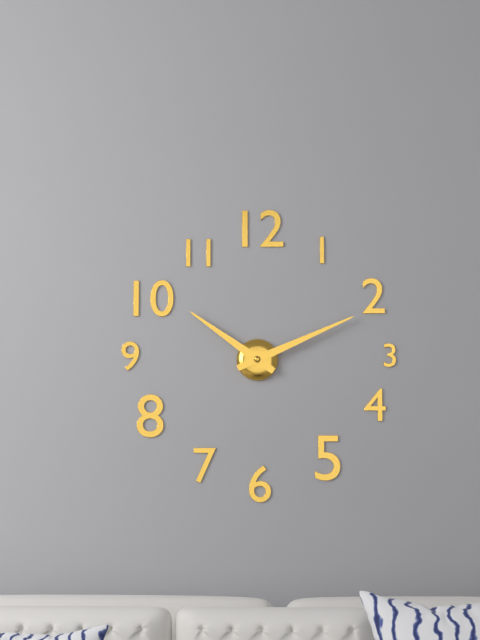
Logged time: 10 h 11 min
